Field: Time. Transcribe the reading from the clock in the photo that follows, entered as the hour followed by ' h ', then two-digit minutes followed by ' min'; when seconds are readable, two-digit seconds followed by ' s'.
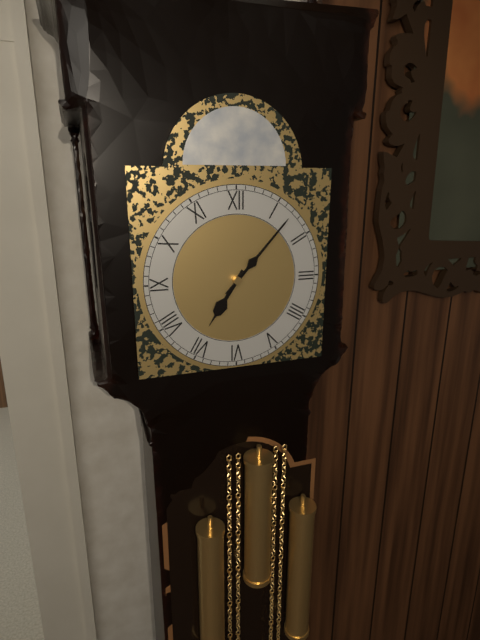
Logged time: 7 h 07 min
